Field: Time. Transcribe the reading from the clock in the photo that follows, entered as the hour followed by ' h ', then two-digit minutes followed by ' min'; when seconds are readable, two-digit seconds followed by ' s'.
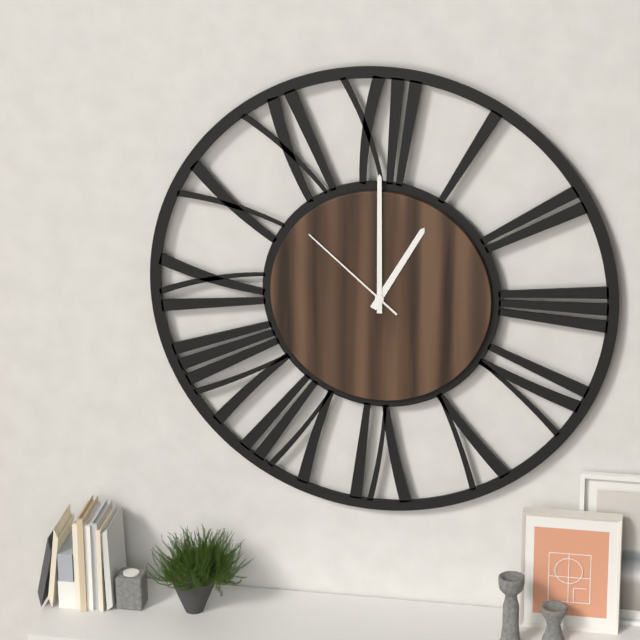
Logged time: 1 h 00 min 52 s
